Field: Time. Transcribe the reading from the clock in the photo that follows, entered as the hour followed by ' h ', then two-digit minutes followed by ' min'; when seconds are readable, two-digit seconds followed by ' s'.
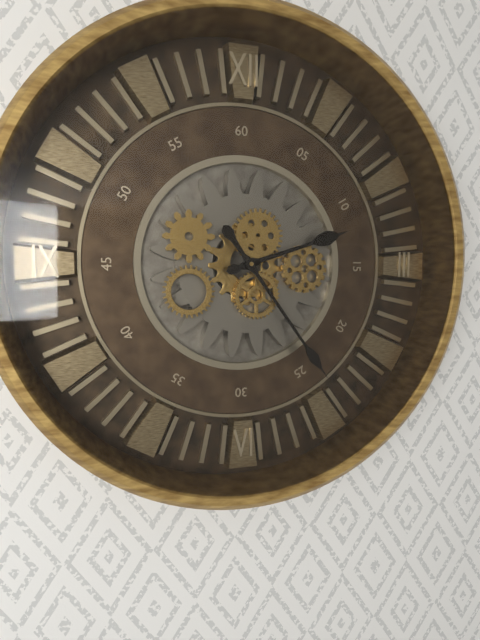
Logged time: 2 h 24 min
